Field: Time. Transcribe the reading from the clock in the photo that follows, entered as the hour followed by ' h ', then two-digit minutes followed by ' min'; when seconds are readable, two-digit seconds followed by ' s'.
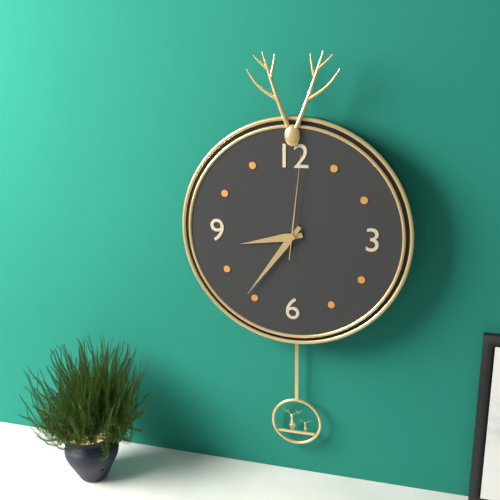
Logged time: 8 h 36 min 01 s
